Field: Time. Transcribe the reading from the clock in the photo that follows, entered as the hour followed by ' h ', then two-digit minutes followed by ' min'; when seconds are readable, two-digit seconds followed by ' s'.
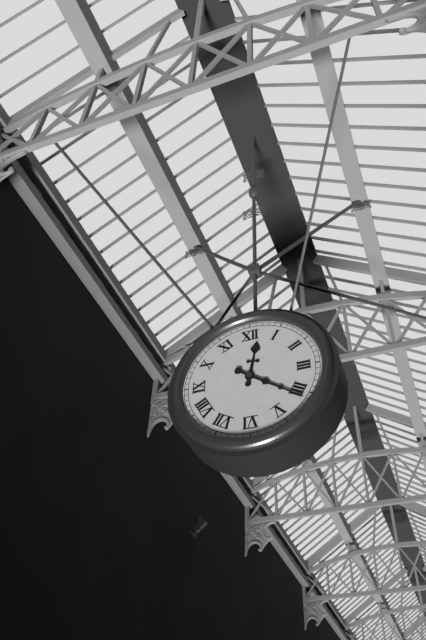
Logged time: 12 h 21 min
